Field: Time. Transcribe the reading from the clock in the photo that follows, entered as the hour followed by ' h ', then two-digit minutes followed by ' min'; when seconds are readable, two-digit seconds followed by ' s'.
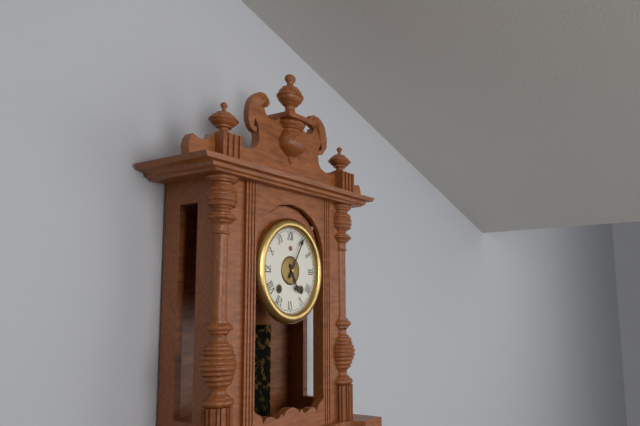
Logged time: 5 h 05 min
